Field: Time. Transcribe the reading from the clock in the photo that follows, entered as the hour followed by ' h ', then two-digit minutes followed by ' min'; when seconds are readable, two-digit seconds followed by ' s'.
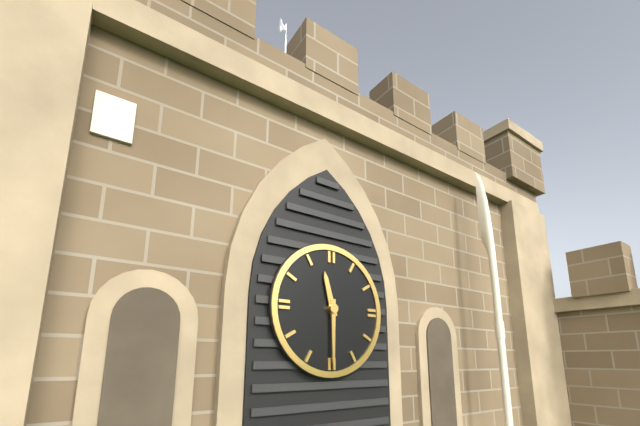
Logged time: 11 h 30 min
